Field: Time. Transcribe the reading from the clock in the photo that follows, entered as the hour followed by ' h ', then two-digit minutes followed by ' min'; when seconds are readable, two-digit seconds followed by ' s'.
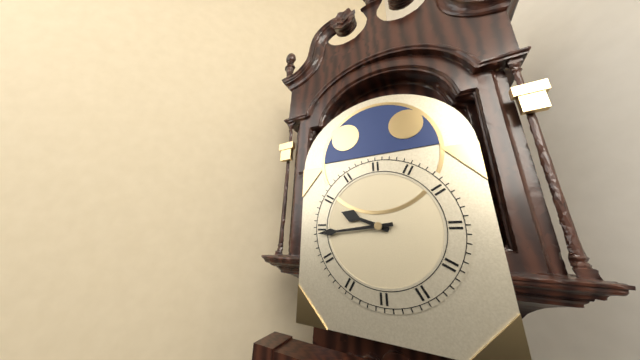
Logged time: 9 h 44 min
